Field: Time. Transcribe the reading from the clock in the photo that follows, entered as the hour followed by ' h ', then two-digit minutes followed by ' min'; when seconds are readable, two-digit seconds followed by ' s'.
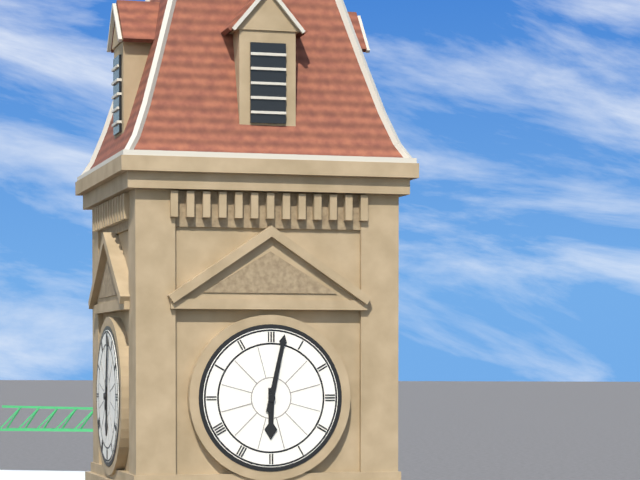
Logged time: 6 h 02 min
